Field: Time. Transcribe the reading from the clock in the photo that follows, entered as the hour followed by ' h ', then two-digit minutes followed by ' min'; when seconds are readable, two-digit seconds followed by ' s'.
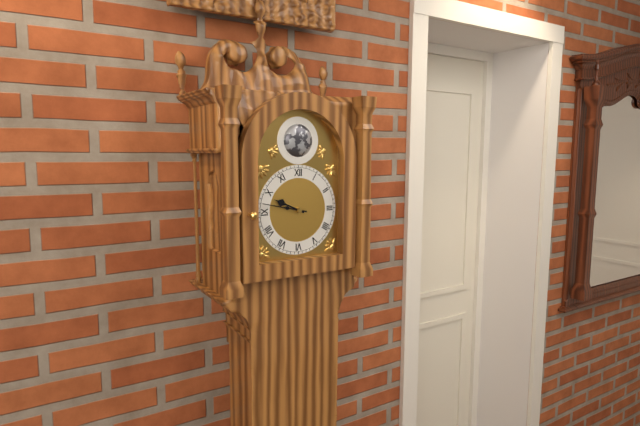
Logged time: 9 h 47 min
